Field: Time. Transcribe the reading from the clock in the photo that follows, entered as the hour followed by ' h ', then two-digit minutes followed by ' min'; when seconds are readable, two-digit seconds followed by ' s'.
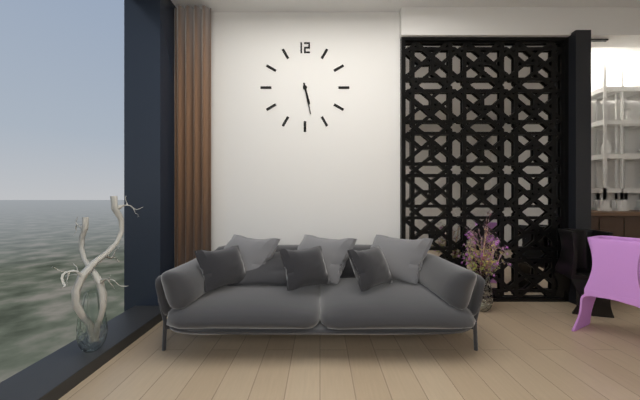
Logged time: 5 h 28 min
